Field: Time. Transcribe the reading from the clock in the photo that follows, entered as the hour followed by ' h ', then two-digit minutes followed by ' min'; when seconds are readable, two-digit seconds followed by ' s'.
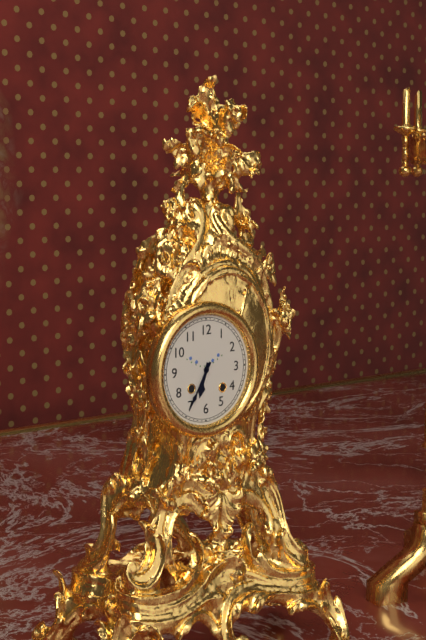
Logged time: 6 h 35 min
